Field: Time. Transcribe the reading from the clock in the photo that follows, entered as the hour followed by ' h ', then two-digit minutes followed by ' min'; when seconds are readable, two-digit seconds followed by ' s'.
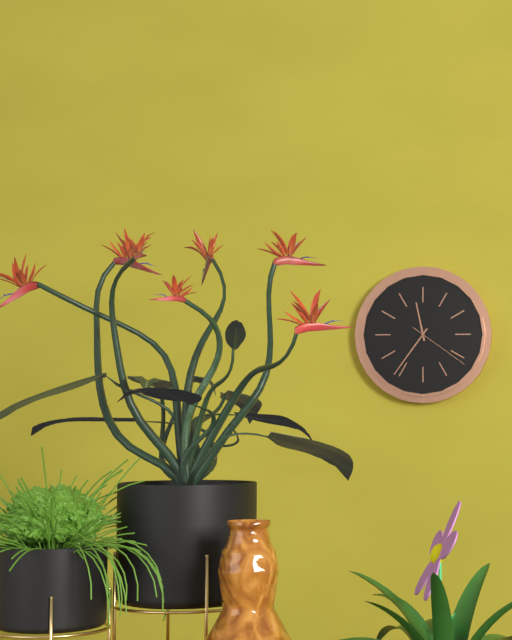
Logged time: 11 h 36 min 21 s
